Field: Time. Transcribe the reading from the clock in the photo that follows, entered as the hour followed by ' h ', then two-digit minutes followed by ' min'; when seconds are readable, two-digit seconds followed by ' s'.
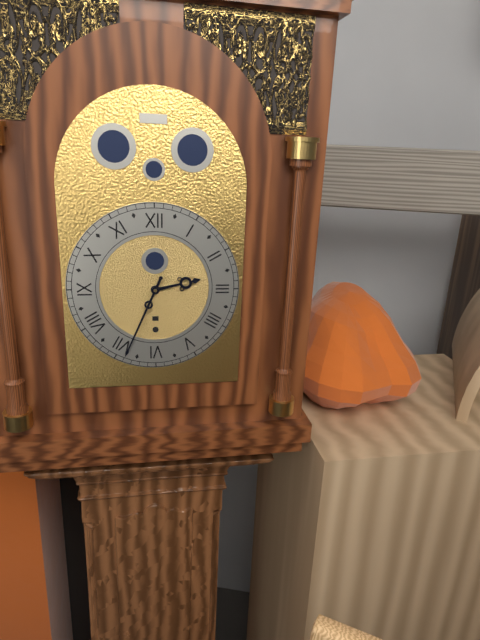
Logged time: 2 h 34 min
